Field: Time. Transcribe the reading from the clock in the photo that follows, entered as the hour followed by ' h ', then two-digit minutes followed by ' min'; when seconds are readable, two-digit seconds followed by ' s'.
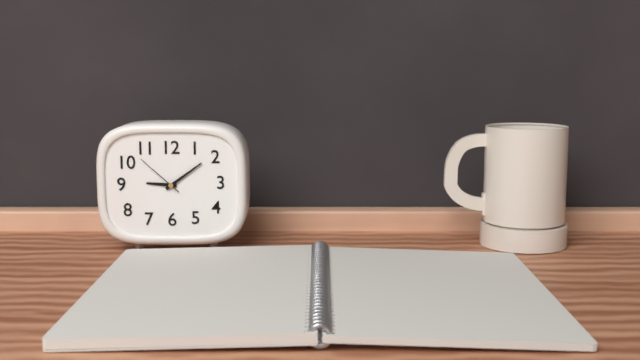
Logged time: 9 h 09 min 52 s
